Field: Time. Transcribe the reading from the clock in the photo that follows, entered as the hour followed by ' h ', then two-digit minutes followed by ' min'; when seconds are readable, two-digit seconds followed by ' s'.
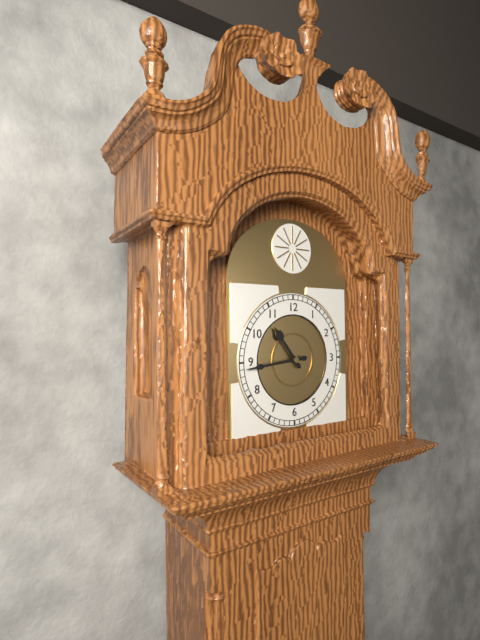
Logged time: 10 h 44 min
